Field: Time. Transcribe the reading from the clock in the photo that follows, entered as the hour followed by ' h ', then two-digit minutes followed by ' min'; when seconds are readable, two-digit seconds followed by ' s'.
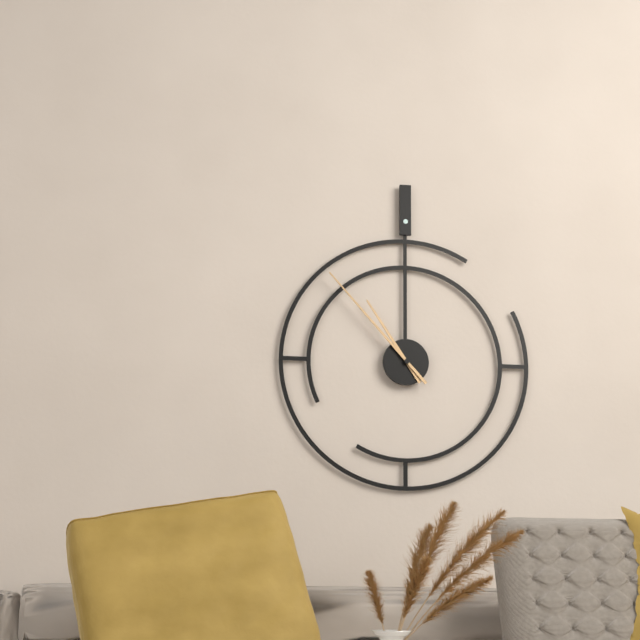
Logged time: 10 h 53 min
